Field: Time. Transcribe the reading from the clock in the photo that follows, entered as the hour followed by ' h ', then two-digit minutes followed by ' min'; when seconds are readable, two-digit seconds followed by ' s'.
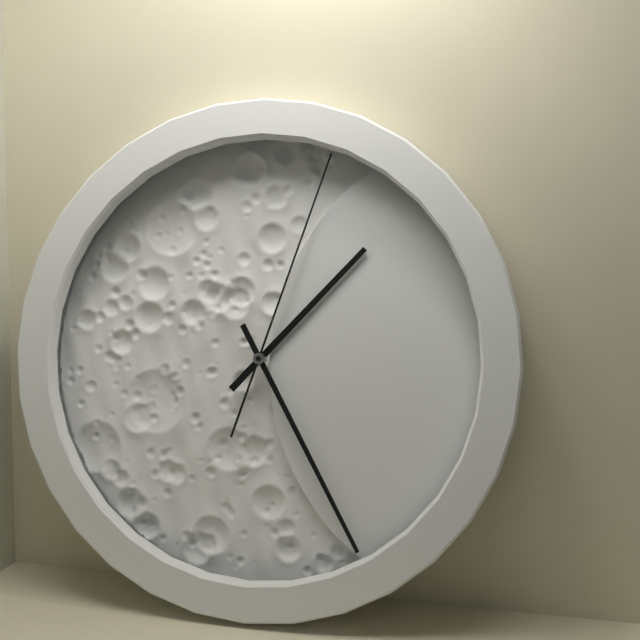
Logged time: 1 h 25 min 03 s
